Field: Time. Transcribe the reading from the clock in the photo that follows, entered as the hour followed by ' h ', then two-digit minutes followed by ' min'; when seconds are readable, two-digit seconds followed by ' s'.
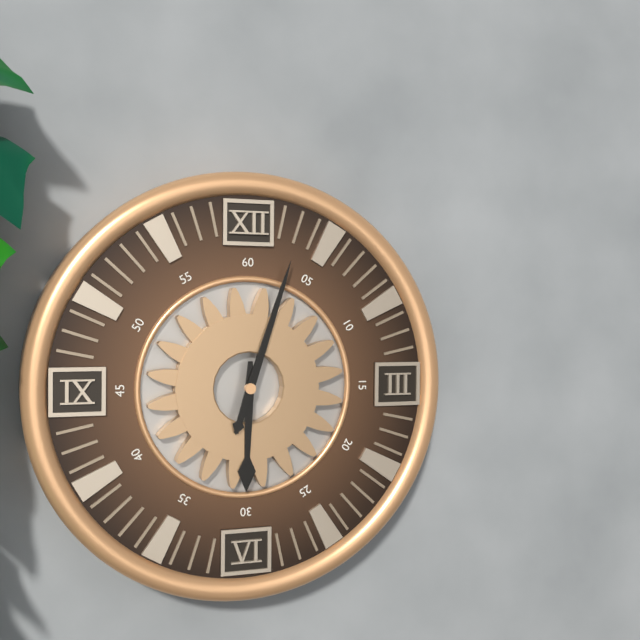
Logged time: 6 h 03 min
